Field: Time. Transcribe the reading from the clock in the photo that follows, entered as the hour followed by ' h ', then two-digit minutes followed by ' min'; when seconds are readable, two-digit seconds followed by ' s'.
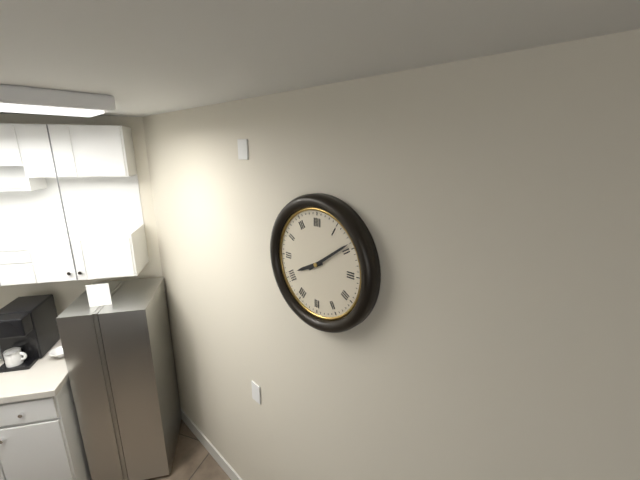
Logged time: 8 h 09 min
